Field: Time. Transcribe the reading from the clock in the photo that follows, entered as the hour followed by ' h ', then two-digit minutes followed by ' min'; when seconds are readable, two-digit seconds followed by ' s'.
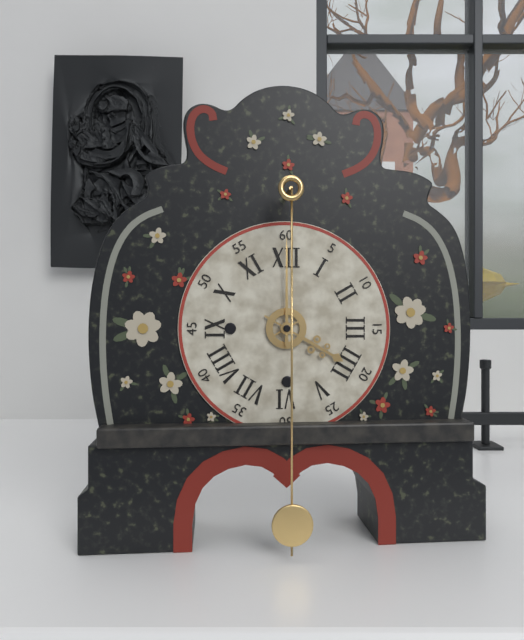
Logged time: 4 h 00 min
